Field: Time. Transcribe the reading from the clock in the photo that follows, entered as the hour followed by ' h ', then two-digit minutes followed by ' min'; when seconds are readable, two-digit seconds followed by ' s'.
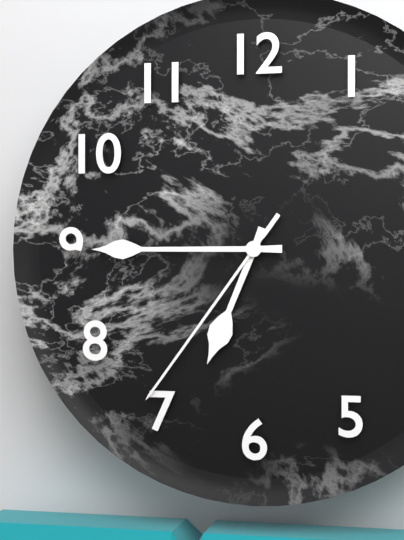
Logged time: 6 h 45 min 36 s
